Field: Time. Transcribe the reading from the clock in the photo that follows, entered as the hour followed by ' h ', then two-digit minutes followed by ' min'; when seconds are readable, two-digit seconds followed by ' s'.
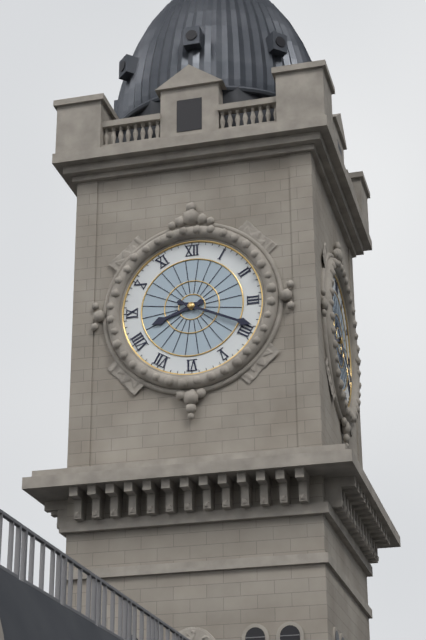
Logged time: 8 h 19 min
